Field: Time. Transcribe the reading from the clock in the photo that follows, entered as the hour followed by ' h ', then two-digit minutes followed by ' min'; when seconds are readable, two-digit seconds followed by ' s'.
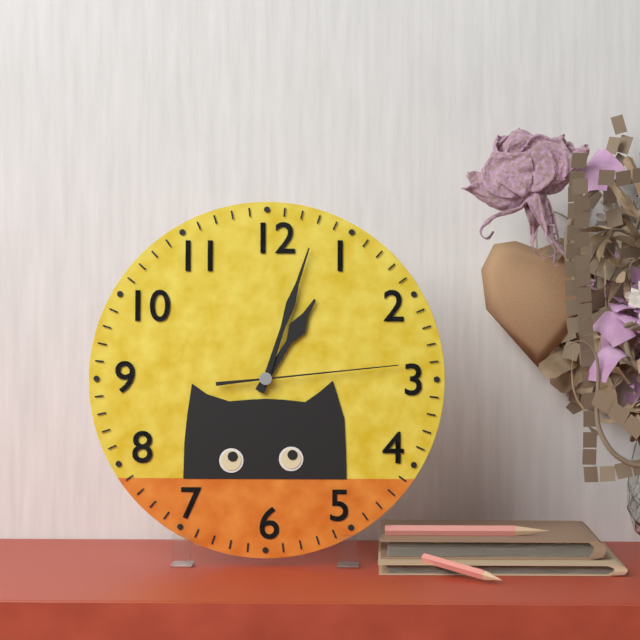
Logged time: 1 h 03 min 14 s
